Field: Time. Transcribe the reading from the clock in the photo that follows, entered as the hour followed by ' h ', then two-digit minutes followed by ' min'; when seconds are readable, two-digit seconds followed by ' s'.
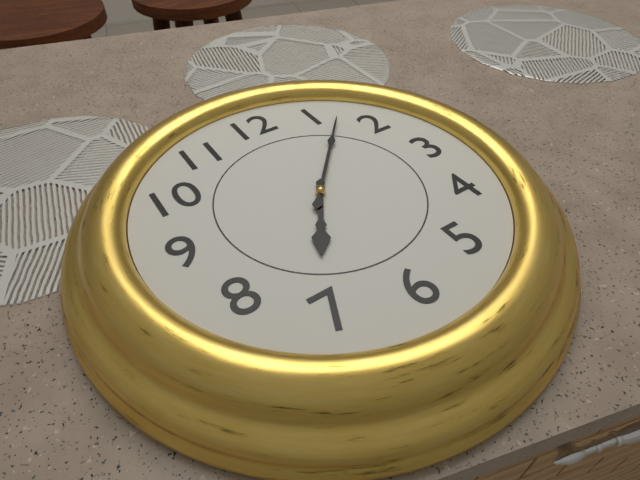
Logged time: 7 h 07 min
